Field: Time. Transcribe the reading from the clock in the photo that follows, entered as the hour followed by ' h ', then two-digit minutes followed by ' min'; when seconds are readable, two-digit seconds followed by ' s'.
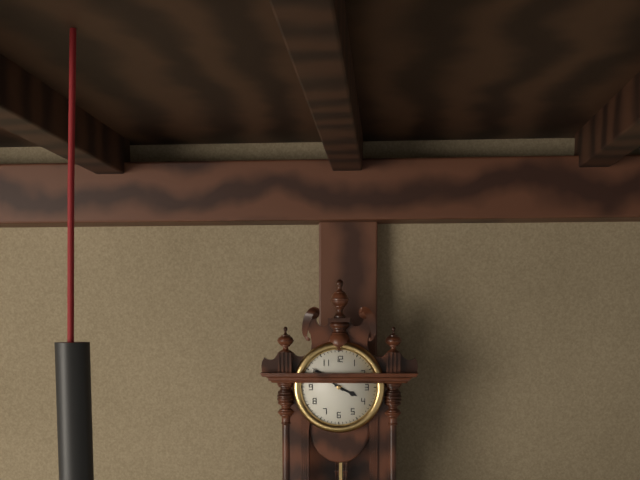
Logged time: 3 h 51 min
